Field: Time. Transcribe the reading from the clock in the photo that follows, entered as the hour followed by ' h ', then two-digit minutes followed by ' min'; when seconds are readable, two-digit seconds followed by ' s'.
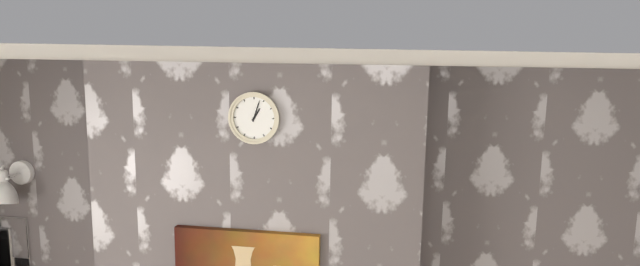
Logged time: 1 h 03 min
